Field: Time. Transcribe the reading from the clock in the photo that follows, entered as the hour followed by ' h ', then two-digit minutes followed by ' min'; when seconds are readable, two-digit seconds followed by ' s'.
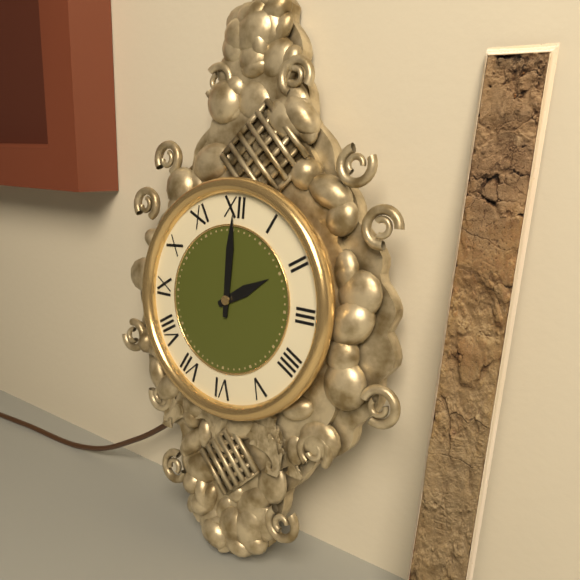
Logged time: 2 h 00 min
